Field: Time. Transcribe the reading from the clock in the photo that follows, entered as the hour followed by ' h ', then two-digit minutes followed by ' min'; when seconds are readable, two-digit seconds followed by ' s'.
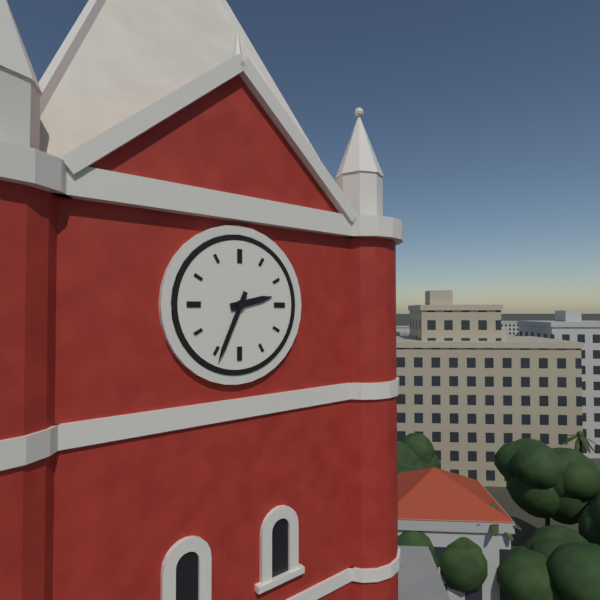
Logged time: 2 h 34 min
